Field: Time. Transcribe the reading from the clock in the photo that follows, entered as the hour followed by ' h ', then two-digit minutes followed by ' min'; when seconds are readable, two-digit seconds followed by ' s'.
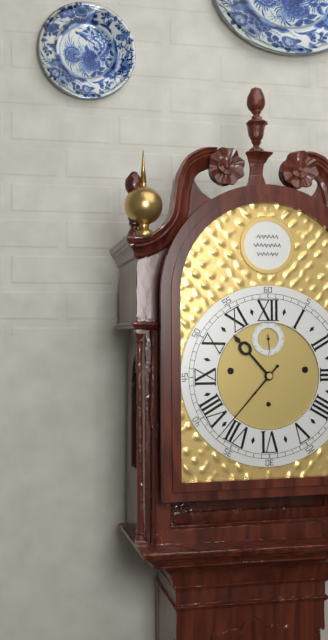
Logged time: 10 h 37 min
